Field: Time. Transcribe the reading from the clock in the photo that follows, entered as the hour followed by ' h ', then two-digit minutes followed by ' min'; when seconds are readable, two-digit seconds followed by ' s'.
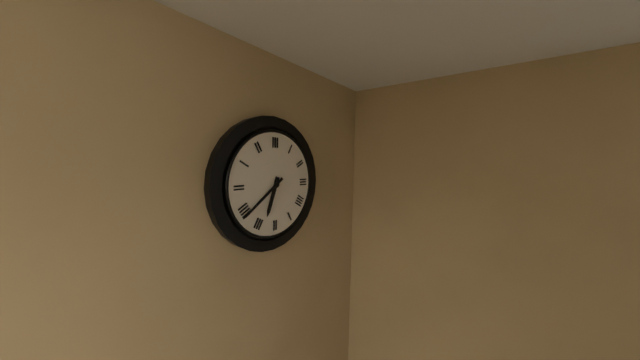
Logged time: 6 h 39 min
